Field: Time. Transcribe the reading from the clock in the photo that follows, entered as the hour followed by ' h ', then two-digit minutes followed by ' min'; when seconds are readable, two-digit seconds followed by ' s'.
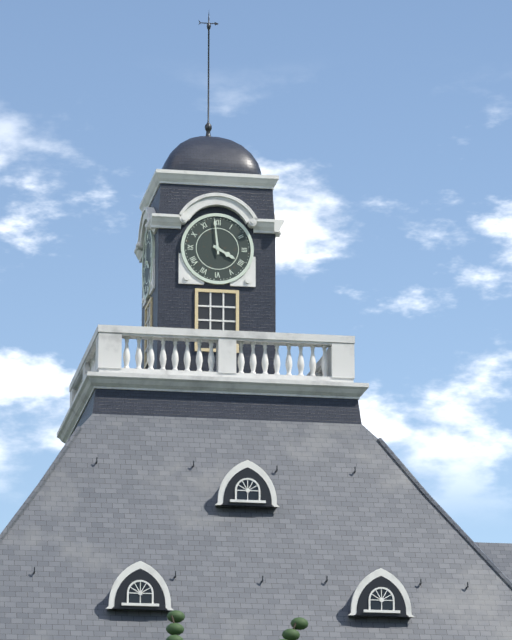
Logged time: 3 h 59 min
